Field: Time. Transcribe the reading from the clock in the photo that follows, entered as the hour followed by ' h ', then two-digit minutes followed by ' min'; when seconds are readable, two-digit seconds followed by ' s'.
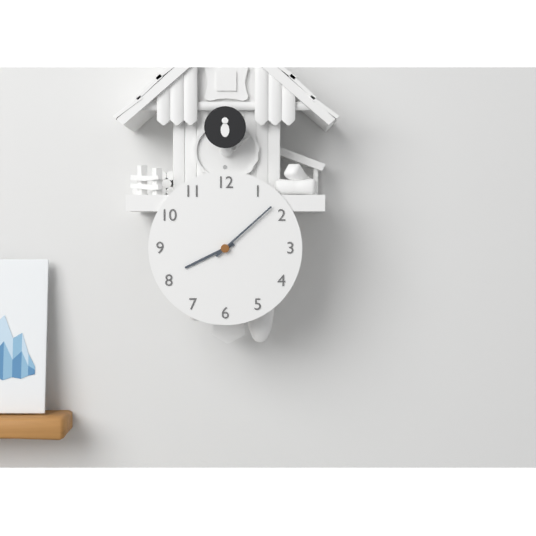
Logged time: 8 h 08 min
